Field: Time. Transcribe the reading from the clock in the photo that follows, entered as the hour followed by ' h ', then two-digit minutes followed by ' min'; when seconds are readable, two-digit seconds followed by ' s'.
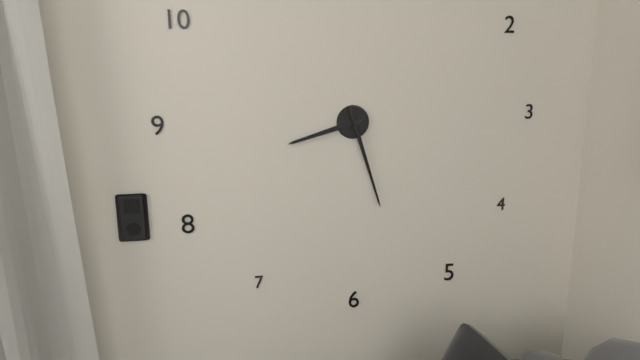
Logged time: 8 h 27 min
